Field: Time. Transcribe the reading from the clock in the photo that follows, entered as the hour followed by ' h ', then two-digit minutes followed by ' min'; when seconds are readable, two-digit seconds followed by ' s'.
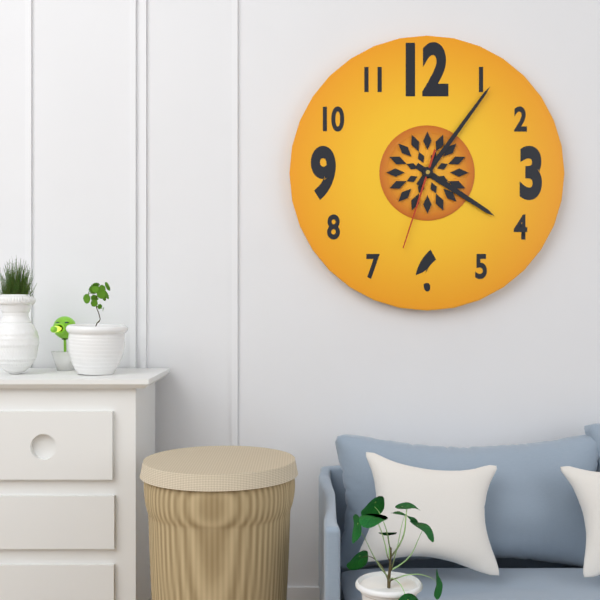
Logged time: 4 h 06 min 33 s
